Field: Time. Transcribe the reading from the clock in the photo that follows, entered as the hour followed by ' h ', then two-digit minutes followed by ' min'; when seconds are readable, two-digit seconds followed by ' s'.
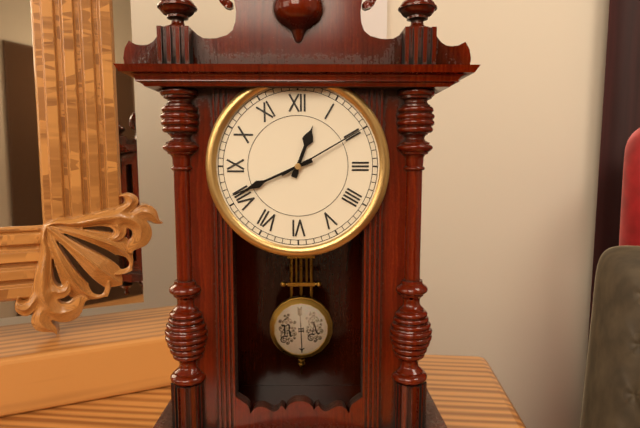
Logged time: 12 h 41 min 10 s
